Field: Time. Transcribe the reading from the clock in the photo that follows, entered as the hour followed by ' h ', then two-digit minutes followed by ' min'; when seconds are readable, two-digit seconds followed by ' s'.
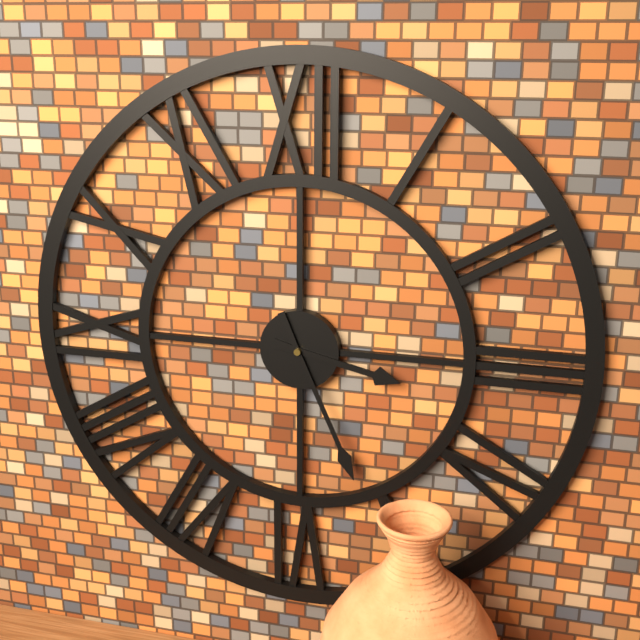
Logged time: 3 h 26 min
